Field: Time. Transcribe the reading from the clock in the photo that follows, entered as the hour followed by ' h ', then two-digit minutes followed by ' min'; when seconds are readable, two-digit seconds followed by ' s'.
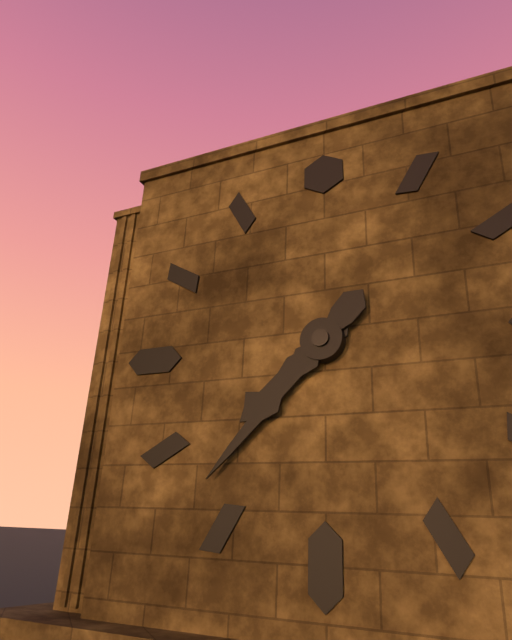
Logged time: 7 h 37 min
